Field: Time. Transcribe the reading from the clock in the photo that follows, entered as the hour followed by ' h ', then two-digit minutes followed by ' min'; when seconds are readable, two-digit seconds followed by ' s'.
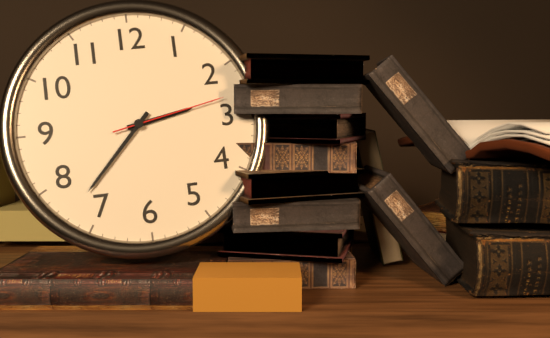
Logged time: 2 h 37 min 13 s
